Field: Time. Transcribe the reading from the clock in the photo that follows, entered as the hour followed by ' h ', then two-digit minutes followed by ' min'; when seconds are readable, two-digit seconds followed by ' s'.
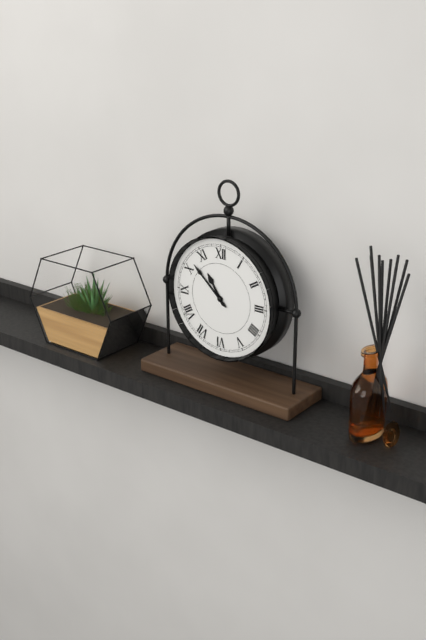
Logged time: 10 h 52 min
